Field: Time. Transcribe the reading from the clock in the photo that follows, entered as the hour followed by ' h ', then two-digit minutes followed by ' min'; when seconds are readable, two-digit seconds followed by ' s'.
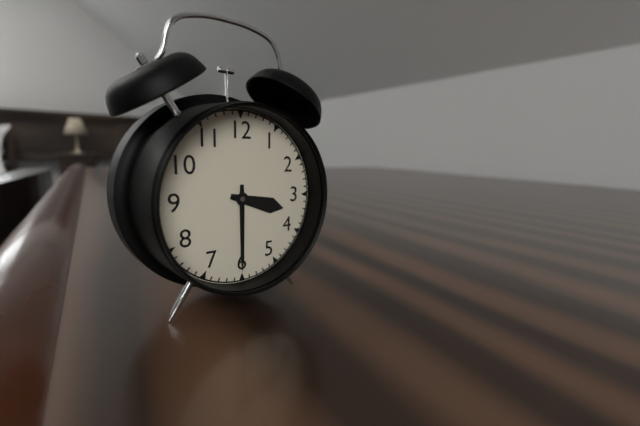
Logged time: 3 h 30 min
